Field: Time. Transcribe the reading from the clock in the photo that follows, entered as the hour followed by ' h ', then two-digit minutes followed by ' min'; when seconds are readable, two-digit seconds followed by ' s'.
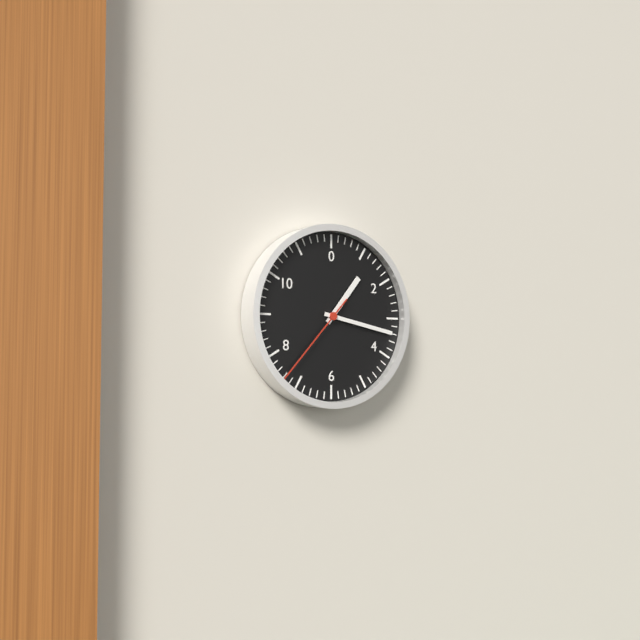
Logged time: 1 h 17 min 37 s
